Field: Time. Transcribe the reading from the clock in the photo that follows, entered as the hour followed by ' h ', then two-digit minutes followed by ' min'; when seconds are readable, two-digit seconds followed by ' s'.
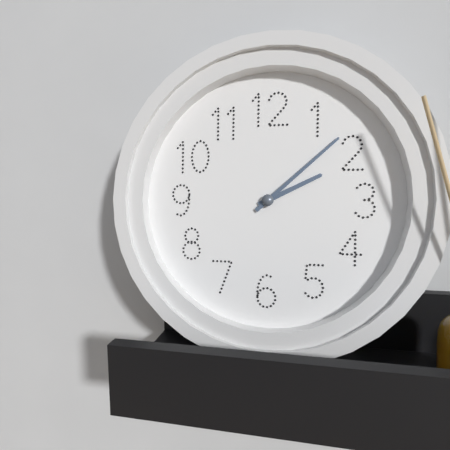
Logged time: 2 h 08 min
